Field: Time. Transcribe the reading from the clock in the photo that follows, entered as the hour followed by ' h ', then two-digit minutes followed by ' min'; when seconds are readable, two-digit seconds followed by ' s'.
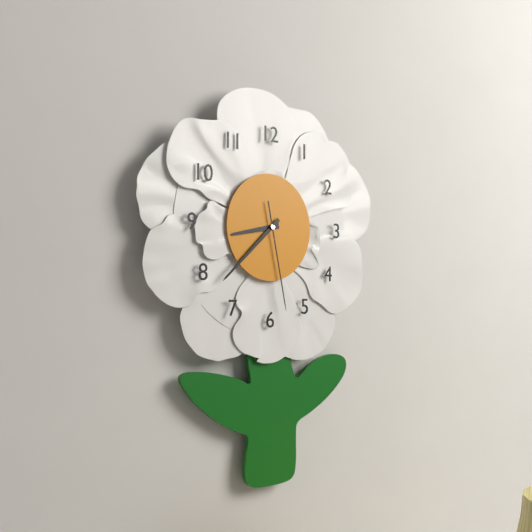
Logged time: 8 h 38 min 28 s
